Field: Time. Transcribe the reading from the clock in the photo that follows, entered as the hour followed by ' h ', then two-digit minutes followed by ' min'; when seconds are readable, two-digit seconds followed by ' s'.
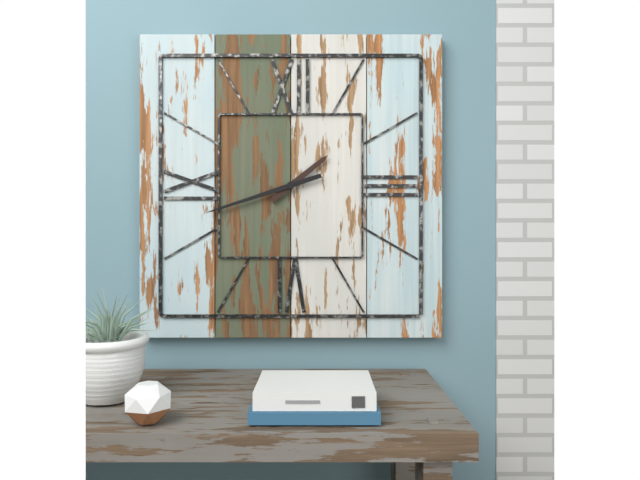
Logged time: 1 h 42 min
